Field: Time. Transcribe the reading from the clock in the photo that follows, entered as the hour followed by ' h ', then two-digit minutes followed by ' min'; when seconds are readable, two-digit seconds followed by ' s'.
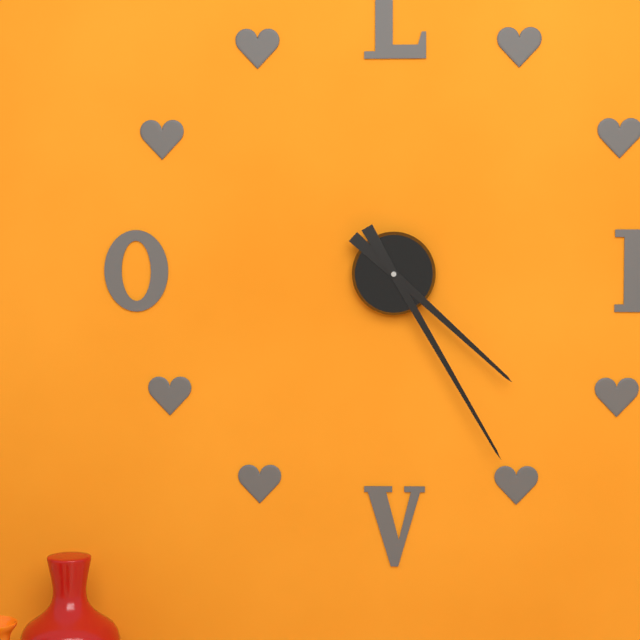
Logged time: 4 h 25 min
